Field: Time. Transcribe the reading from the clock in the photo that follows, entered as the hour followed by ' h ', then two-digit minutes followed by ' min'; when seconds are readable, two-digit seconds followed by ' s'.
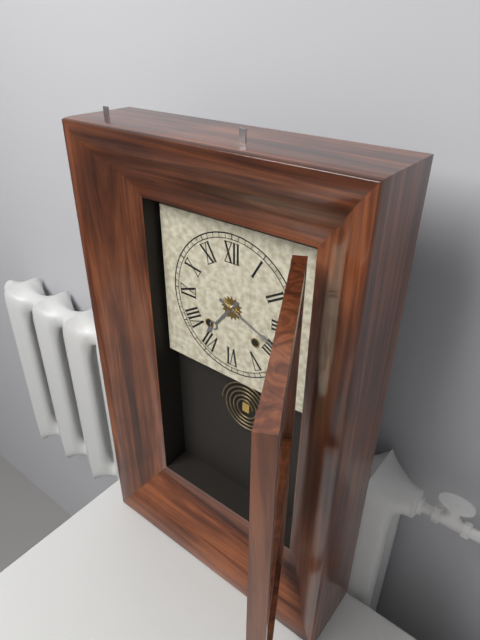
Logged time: 7 h 19 min
